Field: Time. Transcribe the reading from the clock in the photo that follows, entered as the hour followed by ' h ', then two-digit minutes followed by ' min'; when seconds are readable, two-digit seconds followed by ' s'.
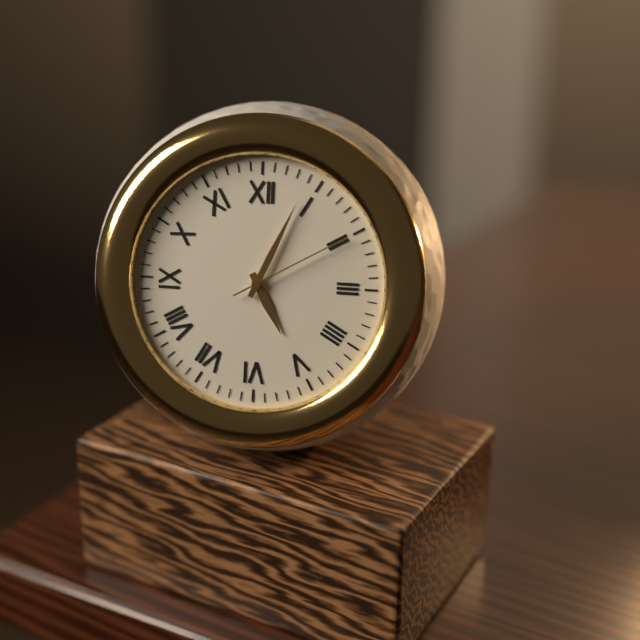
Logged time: 5 h 04 min 10 s
